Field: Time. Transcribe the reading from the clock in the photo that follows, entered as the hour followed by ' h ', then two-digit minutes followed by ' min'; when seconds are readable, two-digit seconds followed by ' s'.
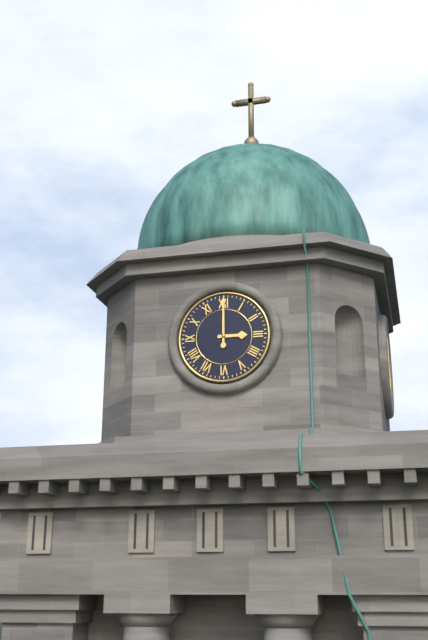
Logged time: 3 h 00 min
